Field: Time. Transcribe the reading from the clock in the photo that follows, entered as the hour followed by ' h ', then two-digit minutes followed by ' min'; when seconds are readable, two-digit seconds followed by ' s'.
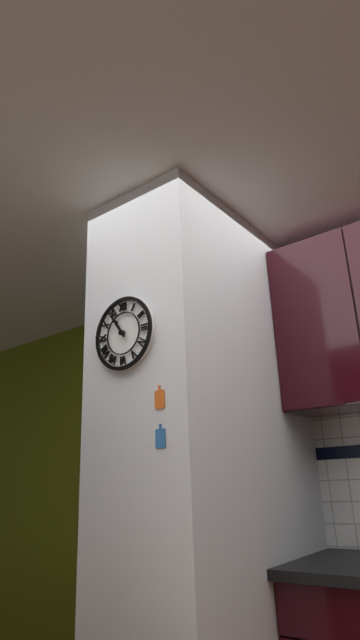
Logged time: 10 h 54 min
